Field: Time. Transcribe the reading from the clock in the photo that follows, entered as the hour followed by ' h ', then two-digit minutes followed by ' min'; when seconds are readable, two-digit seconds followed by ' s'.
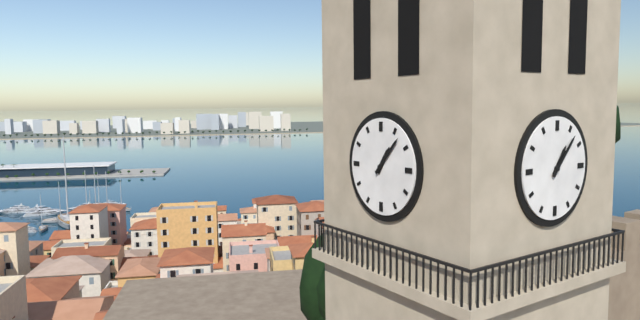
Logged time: 1 h 07 min
